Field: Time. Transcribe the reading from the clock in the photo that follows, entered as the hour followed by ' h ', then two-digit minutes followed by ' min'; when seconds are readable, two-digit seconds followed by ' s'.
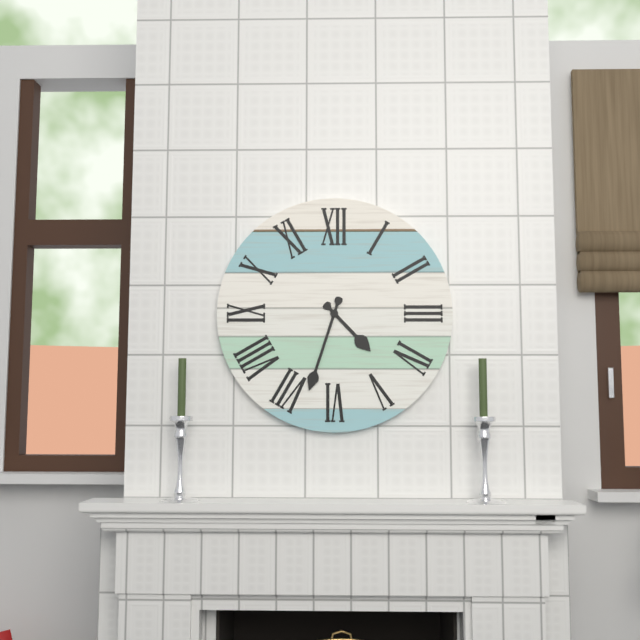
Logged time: 4 h 33 min
